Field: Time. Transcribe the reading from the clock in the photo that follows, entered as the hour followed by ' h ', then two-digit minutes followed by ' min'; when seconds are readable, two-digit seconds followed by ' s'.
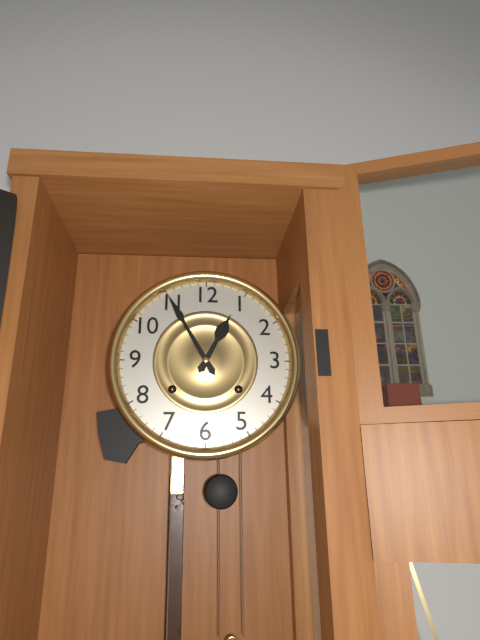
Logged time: 12 h 55 min
